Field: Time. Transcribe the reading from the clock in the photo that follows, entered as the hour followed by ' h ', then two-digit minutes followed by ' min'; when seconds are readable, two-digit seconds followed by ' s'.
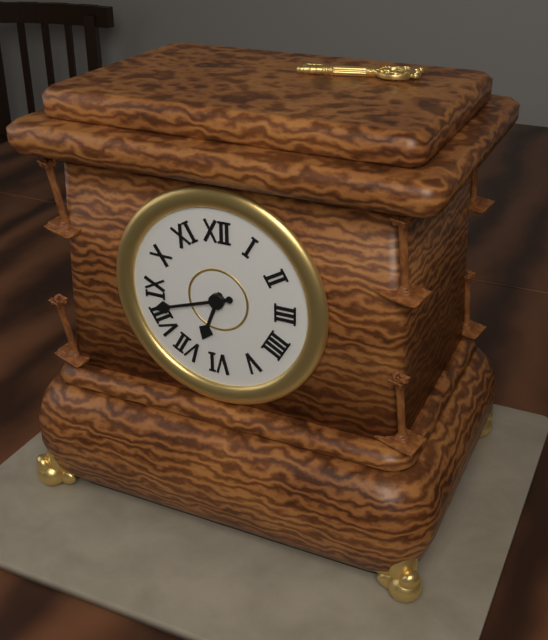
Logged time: 6 h 42 min
